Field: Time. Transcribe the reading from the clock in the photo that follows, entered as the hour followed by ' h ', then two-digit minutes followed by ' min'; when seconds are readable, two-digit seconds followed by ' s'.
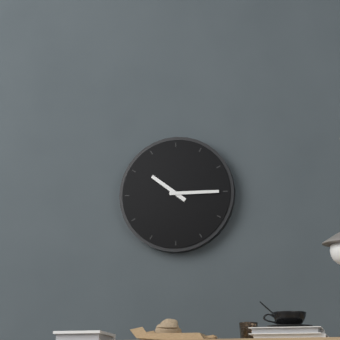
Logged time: 10 h 15 min
